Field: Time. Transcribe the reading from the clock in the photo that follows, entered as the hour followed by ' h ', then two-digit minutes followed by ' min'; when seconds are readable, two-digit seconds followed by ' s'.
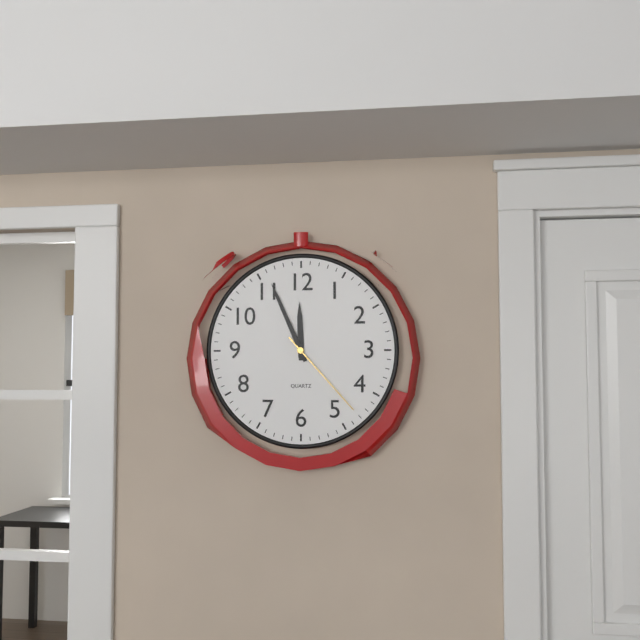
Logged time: 11 h 56 min 23 s
